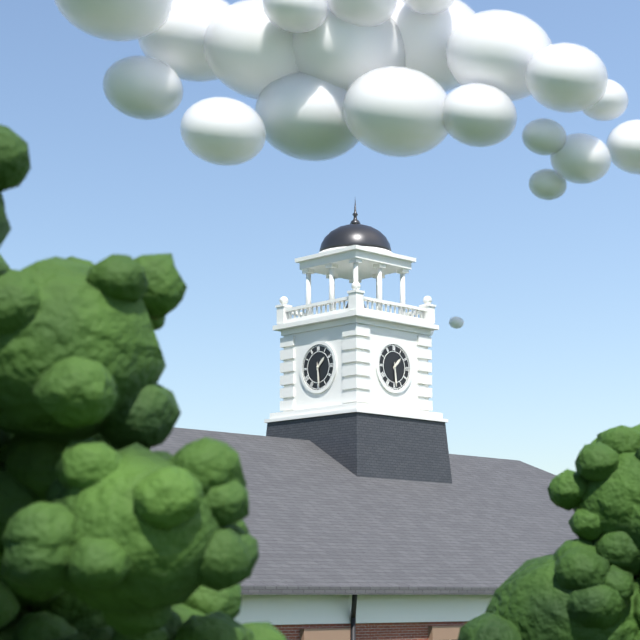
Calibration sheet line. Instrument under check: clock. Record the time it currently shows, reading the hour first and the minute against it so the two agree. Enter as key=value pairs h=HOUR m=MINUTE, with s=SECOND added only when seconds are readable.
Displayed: h=1 m=29
